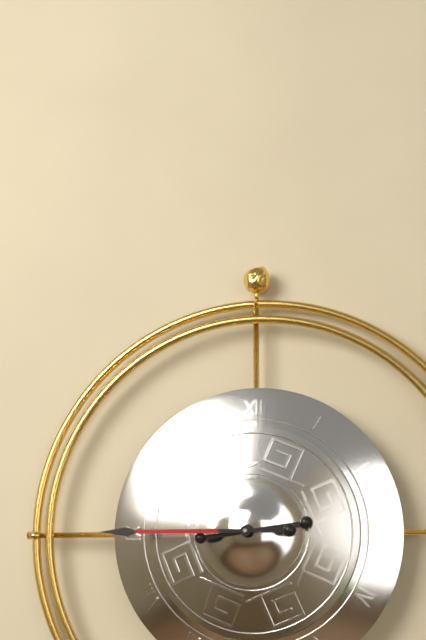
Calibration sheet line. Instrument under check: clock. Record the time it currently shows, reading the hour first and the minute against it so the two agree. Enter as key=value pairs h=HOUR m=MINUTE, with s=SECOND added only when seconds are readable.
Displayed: h=2 m=45
